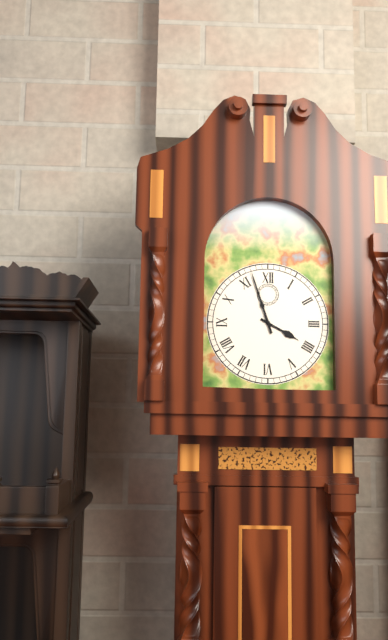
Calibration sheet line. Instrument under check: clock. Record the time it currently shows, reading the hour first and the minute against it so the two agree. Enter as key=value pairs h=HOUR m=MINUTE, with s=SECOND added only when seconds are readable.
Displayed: h=3 m=57
